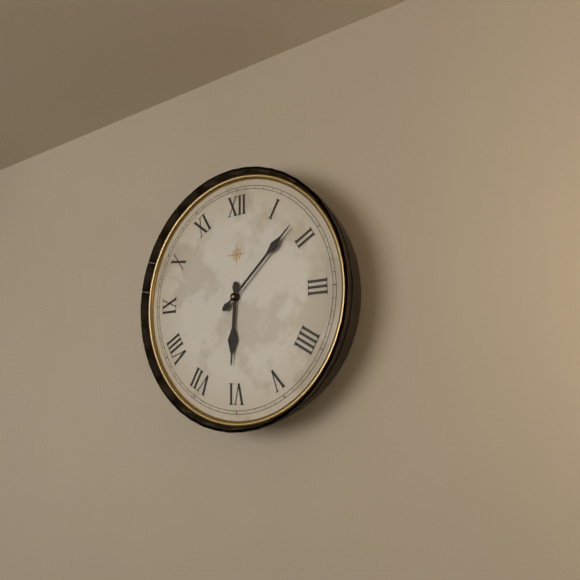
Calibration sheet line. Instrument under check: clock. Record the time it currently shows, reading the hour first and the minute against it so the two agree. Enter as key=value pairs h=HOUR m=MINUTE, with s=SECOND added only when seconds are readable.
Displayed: h=6 m=8
